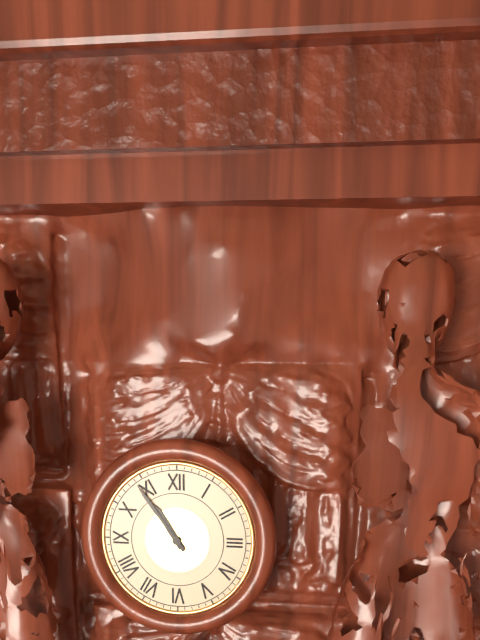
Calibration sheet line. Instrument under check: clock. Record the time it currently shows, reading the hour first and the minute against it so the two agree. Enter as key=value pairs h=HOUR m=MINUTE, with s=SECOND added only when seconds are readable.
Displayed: h=10 m=54
